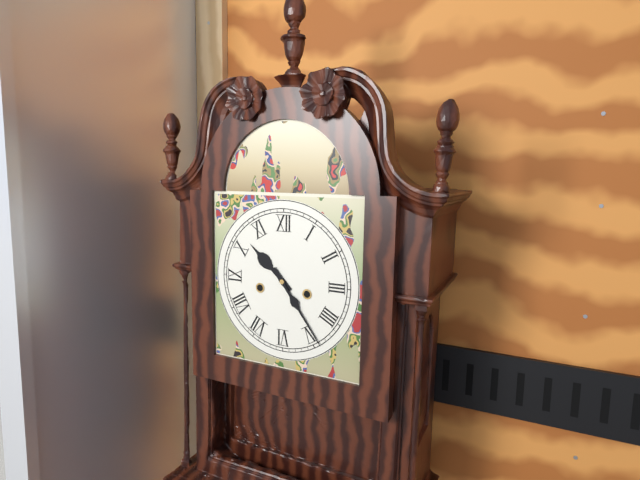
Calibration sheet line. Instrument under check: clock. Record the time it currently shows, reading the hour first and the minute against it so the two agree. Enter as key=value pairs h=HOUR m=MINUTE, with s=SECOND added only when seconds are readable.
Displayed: h=10 m=24
